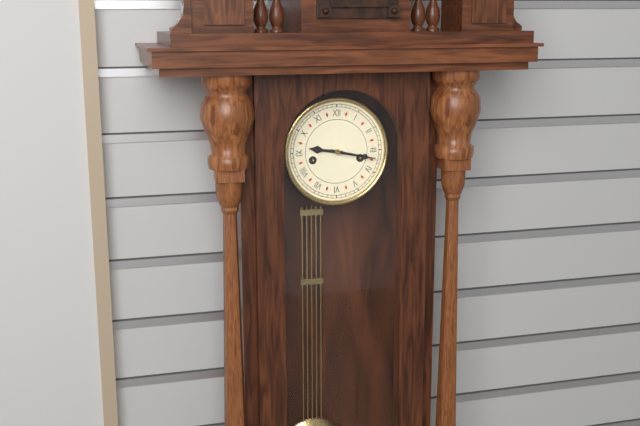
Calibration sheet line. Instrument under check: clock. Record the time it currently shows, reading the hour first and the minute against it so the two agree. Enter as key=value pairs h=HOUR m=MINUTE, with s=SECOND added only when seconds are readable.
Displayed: h=9 m=17
